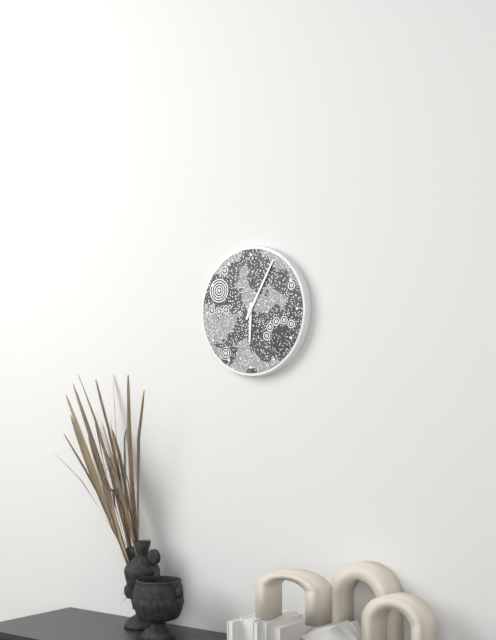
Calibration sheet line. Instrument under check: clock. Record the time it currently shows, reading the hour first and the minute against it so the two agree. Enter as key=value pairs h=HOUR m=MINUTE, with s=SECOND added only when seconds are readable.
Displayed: h=6 m=5
